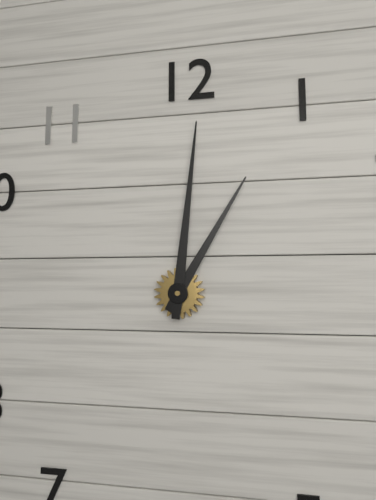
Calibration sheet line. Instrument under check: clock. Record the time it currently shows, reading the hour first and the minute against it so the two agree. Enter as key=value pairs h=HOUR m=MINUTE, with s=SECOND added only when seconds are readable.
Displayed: h=1 m=1
